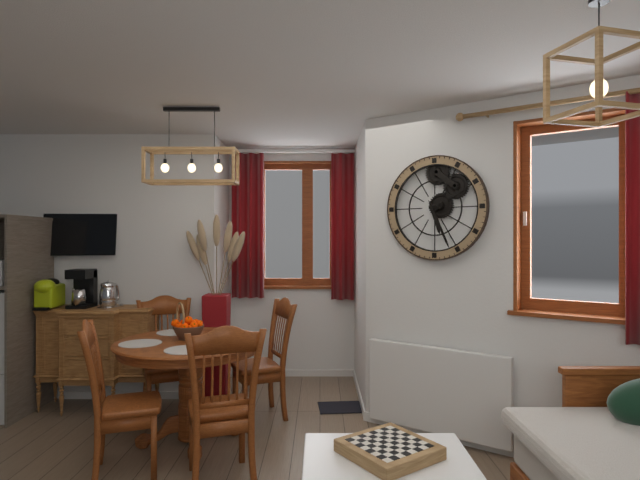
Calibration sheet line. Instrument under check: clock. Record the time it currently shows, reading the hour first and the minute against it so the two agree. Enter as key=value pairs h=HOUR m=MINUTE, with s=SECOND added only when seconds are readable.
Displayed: h=5 m=26
